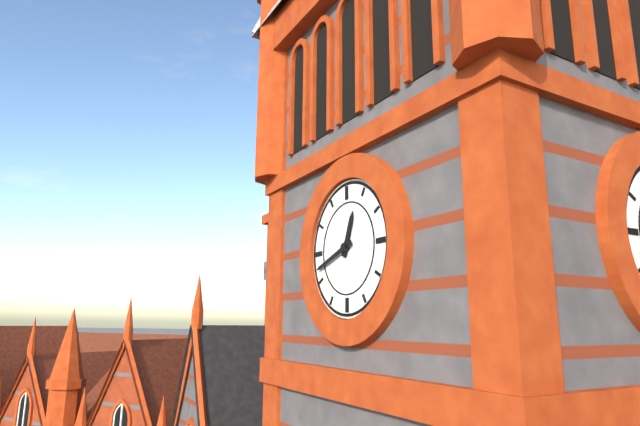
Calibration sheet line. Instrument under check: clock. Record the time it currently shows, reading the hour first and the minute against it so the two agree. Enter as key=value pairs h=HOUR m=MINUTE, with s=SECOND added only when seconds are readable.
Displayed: h=12 m=42
